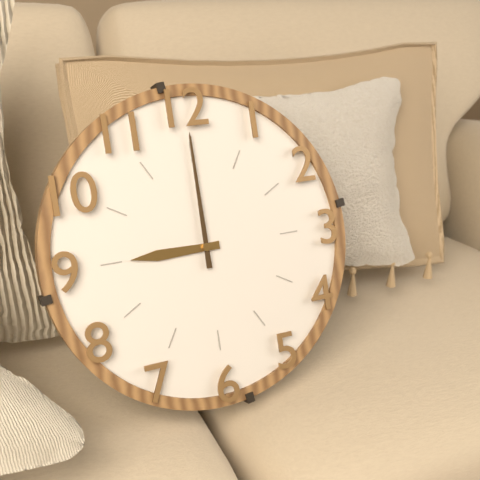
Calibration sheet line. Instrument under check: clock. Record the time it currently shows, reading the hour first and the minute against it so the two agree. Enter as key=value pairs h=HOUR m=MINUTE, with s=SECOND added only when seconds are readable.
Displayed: h=9 m=0
